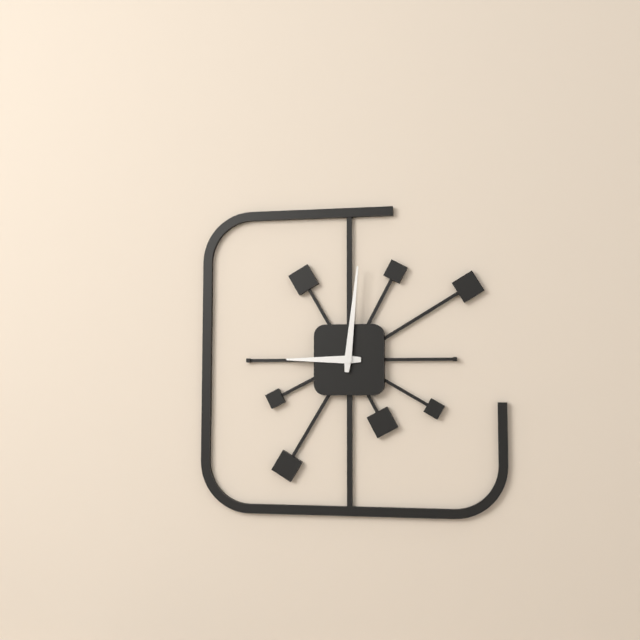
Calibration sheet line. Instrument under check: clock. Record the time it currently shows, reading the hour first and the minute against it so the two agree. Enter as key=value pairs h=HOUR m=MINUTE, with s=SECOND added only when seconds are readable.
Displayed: h=9 m=1
